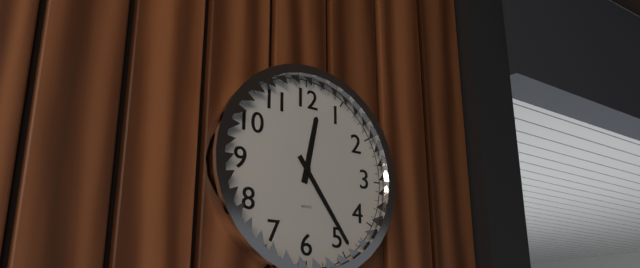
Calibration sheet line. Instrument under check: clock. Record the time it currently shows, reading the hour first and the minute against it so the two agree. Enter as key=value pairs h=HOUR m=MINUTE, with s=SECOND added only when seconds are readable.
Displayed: h=12 m=24
